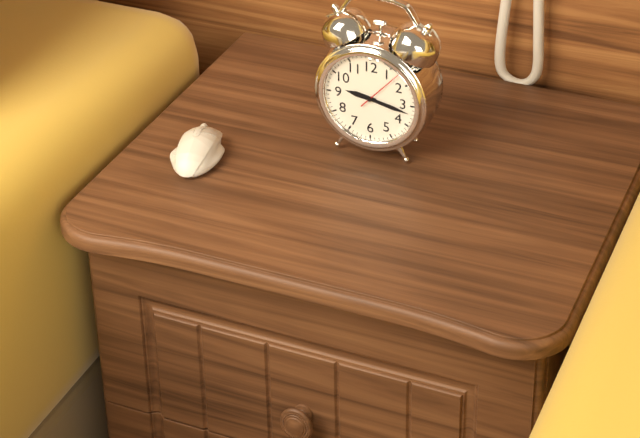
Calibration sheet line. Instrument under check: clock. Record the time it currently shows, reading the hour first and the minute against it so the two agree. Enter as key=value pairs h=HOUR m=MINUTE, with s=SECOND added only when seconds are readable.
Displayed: h=9 m=17
